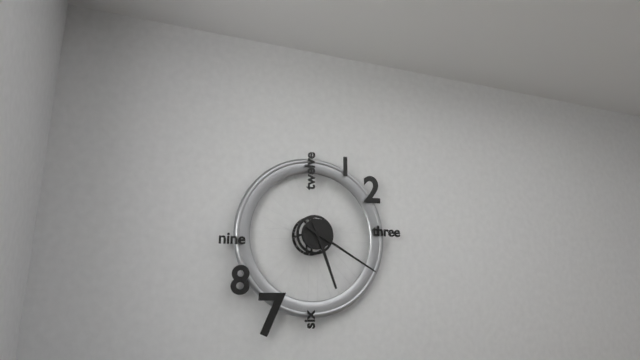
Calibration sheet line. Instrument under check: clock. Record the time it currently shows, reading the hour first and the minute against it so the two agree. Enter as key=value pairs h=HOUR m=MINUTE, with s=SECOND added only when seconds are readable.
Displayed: h=5 m=20
